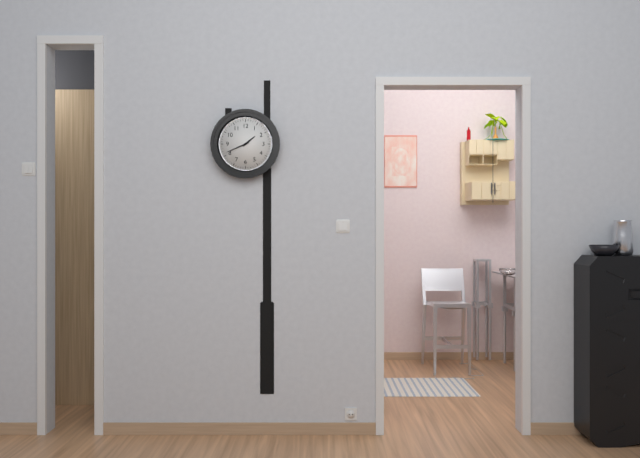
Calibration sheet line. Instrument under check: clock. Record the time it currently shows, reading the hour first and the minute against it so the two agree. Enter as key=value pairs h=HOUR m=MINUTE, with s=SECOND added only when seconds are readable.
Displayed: h=1 m=41
